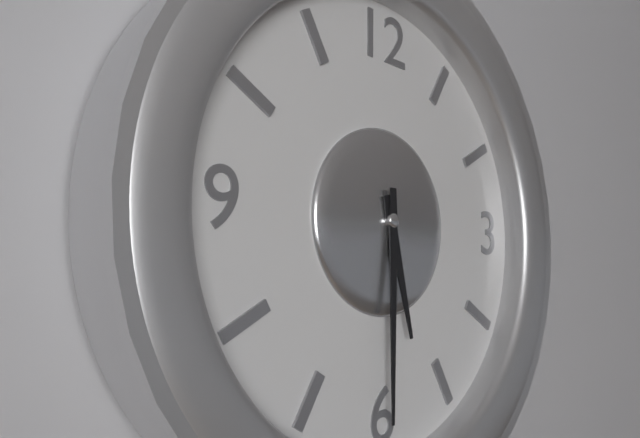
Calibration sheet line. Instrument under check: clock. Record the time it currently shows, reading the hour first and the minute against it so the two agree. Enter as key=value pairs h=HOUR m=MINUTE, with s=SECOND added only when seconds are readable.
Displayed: h=5 m=30
